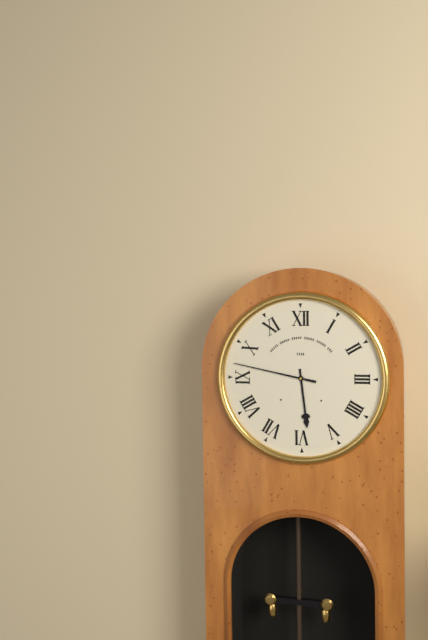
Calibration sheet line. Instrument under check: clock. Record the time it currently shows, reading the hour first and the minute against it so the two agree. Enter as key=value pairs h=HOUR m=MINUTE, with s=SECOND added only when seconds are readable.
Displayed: h=5 m=47
